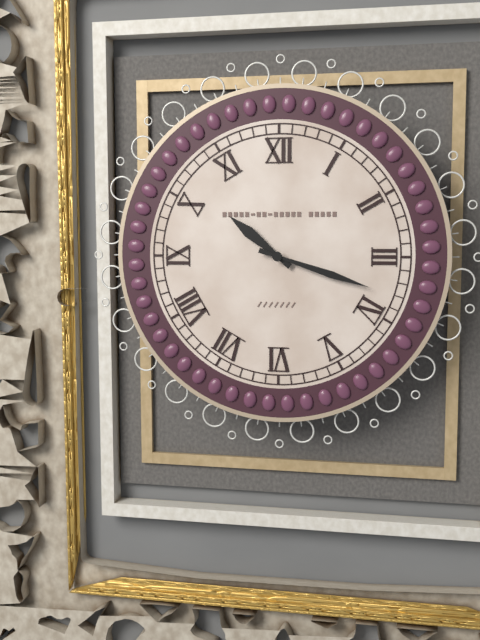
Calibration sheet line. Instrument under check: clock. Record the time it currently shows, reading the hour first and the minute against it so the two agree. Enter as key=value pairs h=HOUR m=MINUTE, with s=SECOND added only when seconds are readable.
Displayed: h=10 m=18
